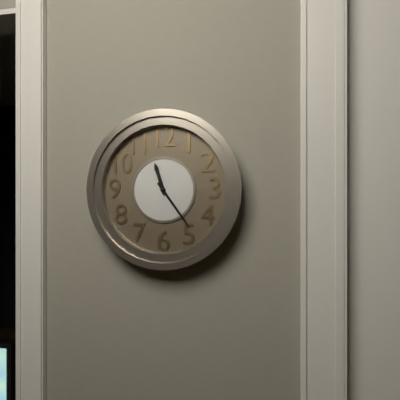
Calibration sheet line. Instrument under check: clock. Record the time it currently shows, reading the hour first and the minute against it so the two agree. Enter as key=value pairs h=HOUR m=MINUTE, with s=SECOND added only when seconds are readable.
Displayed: h=11 m=24
